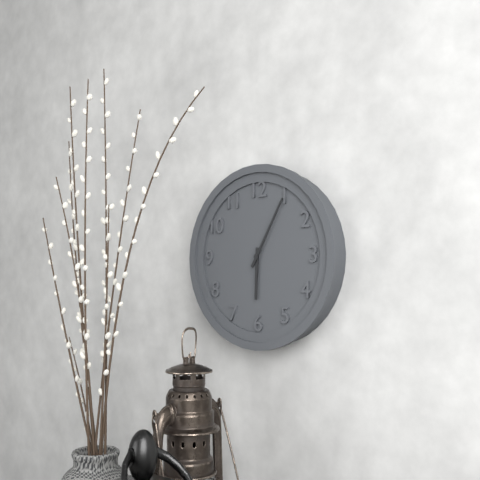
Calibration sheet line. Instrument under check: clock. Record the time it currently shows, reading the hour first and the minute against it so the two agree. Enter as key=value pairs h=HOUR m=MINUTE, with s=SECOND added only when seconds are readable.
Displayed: h=6 m=5
